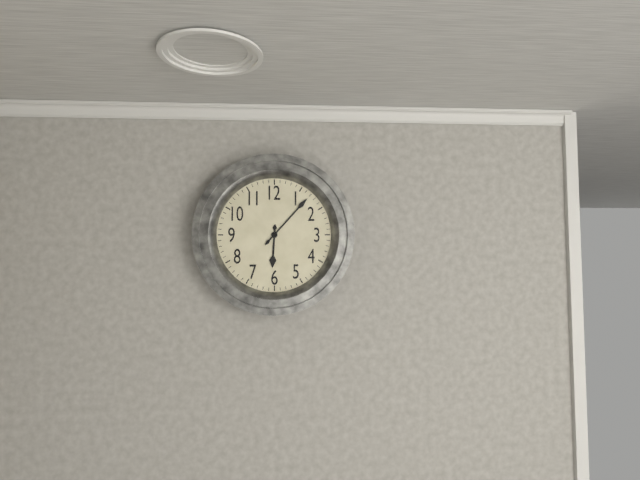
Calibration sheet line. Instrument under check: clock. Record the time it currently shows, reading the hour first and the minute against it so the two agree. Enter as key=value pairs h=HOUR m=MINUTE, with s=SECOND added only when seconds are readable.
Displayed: h=6 m=7
